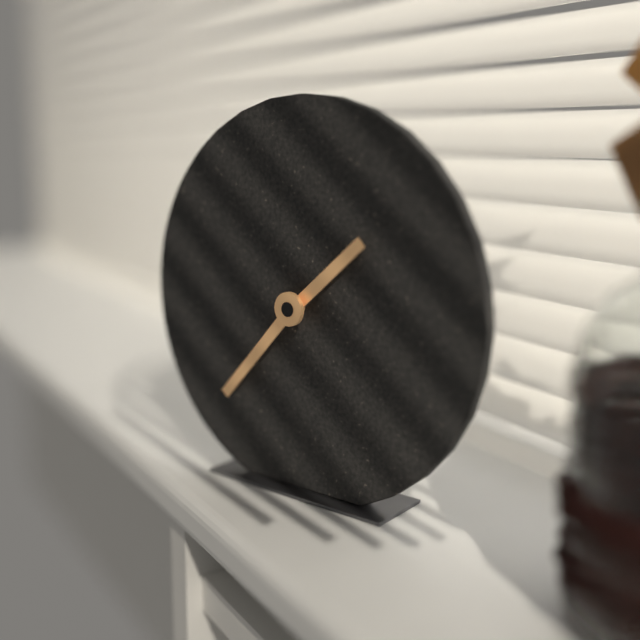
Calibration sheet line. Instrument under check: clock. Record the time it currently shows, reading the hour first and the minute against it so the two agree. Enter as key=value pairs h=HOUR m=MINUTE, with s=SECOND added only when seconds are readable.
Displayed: h=1 m=37
